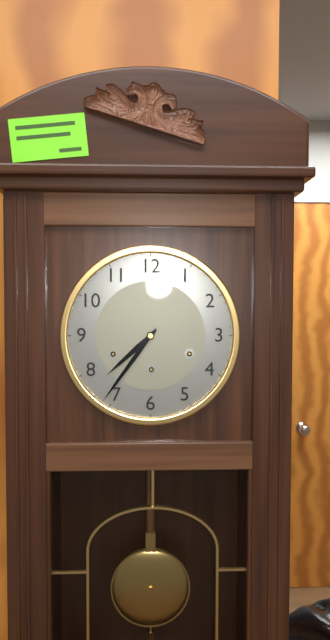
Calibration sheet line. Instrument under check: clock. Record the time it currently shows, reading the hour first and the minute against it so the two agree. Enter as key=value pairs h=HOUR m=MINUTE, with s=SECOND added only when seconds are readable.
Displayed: h=7 m=36
